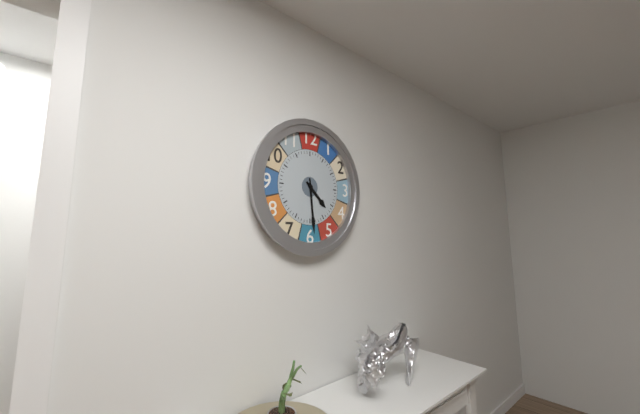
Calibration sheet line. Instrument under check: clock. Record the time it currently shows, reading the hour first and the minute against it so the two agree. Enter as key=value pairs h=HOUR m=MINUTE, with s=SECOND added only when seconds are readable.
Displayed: h=4 m=29
